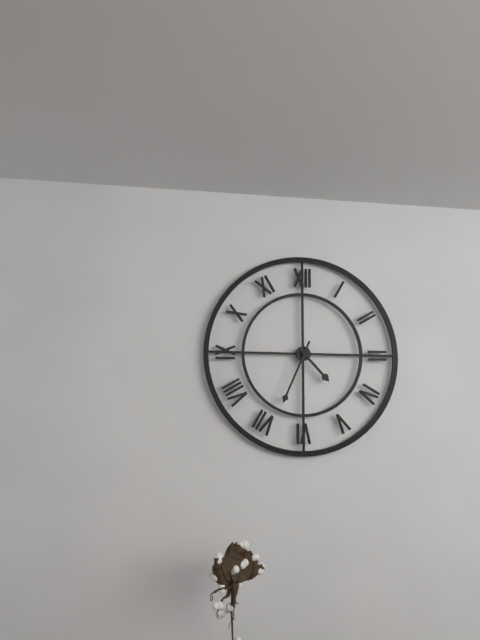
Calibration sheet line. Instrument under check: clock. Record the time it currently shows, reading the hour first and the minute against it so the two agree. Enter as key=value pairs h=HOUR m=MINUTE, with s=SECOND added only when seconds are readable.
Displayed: h=4 m=34
